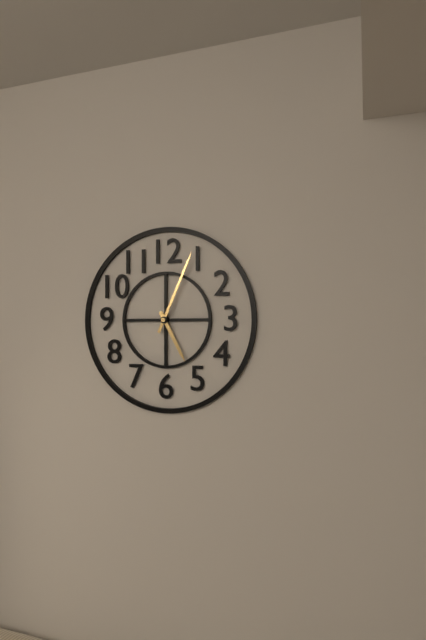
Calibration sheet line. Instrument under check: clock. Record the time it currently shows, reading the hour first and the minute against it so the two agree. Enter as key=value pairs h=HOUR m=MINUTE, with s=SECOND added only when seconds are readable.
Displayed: h=5 m=4
